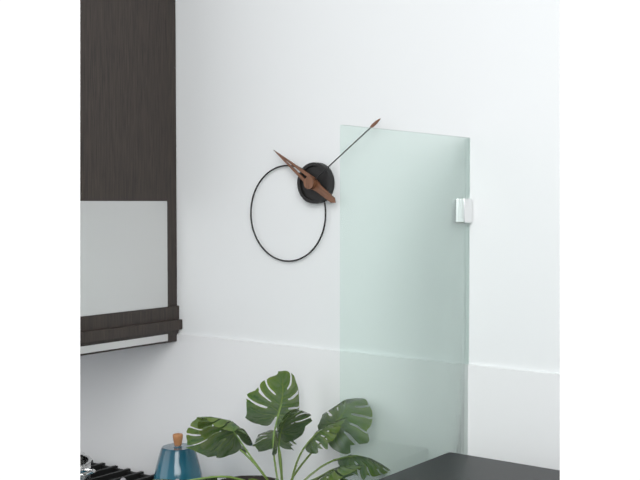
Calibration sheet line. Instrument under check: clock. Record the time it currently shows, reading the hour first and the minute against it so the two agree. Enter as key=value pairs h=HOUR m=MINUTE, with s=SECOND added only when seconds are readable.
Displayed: h=10 m=9
